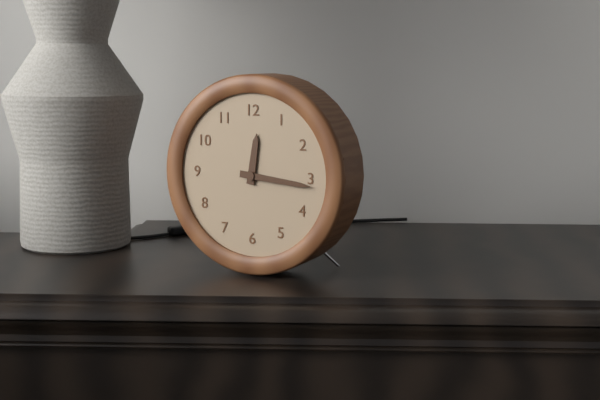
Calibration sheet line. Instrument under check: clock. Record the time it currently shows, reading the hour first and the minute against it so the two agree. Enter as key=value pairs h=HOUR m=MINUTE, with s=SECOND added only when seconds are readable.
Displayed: h=12 m=16
